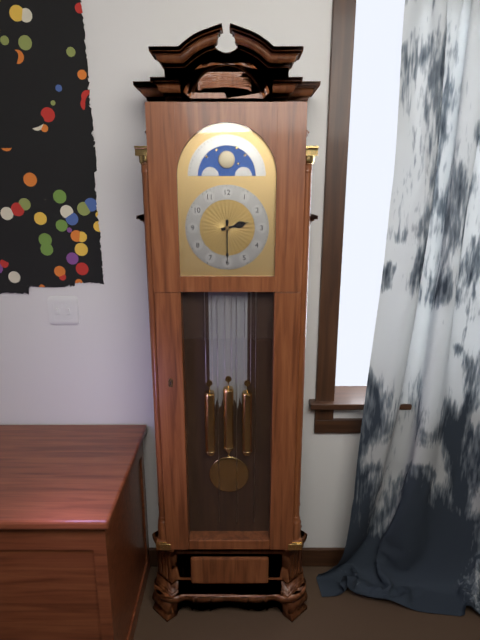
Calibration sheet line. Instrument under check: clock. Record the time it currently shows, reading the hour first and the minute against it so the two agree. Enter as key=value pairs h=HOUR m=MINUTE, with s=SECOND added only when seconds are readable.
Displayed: h=2 m=30
